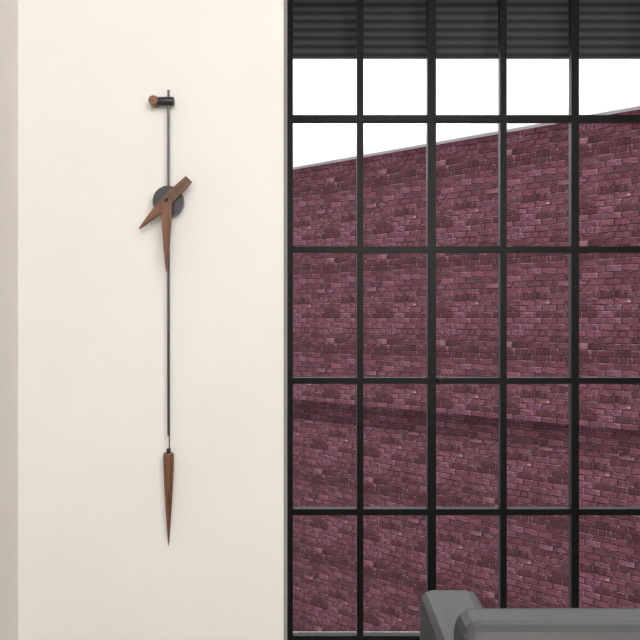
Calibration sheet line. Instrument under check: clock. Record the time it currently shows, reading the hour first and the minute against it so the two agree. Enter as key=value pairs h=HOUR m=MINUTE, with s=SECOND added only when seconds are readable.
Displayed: h=7 m=30
